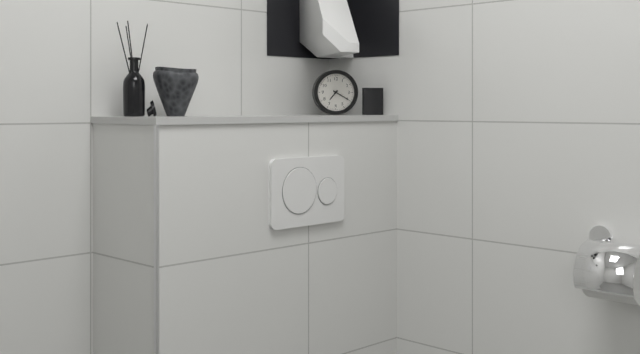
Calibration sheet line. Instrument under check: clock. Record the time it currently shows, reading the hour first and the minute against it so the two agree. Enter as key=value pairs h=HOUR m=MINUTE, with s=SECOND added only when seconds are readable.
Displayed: h=7 m=20
